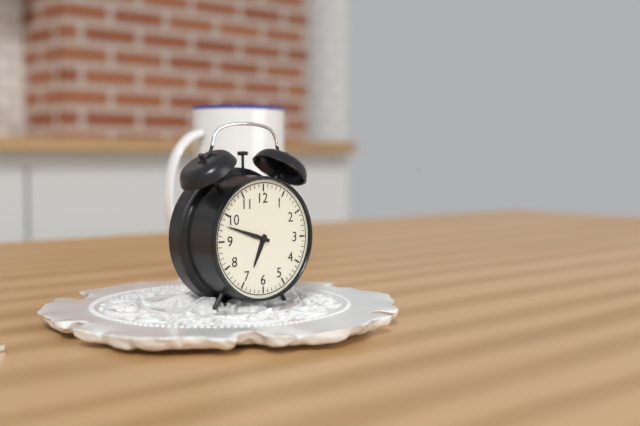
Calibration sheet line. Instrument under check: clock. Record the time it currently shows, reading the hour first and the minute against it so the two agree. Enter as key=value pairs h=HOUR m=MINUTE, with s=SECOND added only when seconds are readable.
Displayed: h=6 m=48
